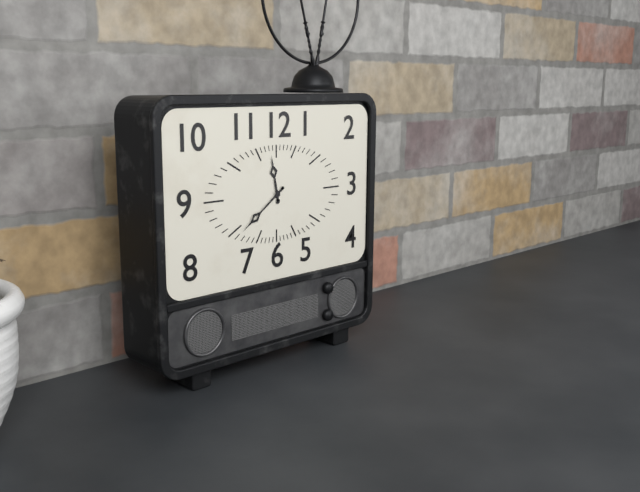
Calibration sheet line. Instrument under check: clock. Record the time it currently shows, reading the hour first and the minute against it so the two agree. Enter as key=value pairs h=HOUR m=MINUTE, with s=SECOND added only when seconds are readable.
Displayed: h=11 m=39
